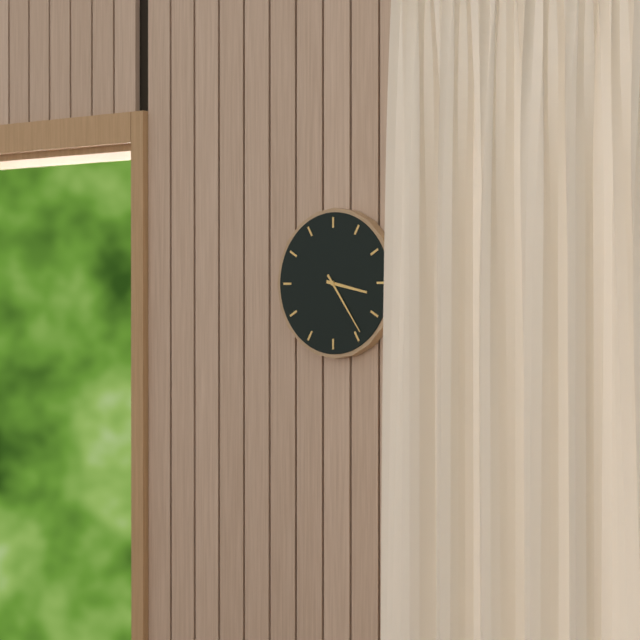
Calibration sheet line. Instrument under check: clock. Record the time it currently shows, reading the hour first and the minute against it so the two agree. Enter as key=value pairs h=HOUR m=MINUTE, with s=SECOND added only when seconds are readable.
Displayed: h=3 m=24
